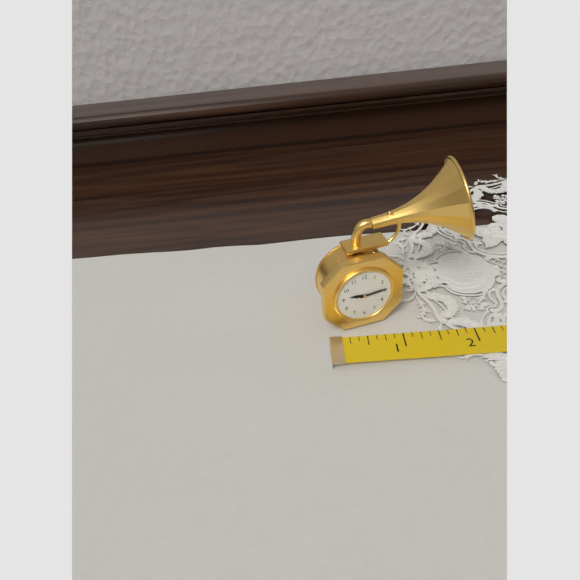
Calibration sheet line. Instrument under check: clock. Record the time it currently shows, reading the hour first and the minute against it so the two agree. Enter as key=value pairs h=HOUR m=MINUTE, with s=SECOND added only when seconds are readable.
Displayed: h=9 m=14
